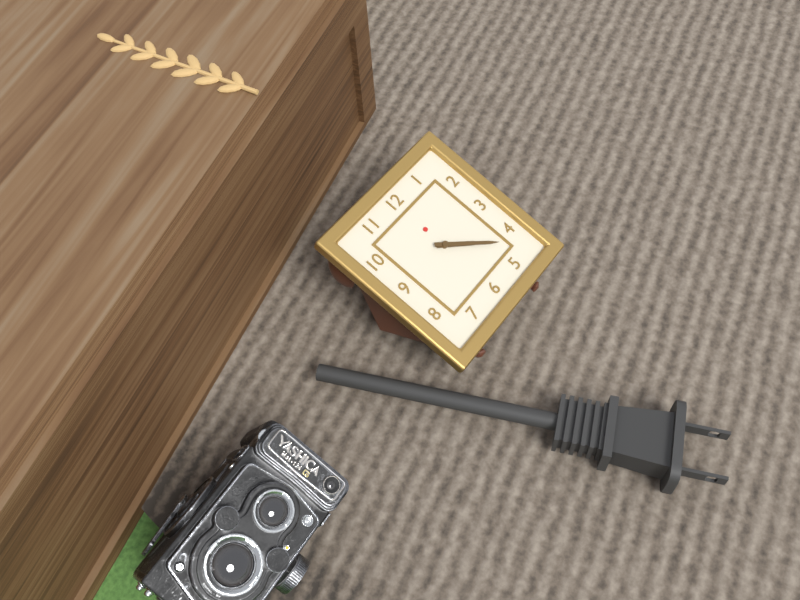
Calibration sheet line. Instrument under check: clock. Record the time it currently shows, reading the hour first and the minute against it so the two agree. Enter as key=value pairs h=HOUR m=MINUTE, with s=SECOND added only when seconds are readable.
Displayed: h=4 m=22
